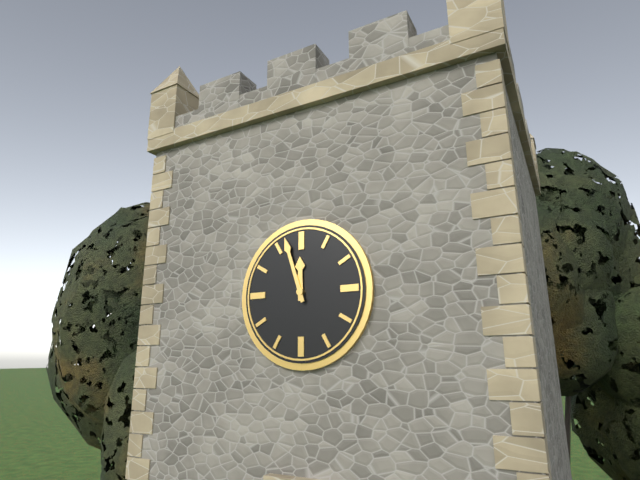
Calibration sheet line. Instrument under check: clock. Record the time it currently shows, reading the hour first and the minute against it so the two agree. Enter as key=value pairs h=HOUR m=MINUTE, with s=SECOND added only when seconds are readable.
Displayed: h=11 m=57
